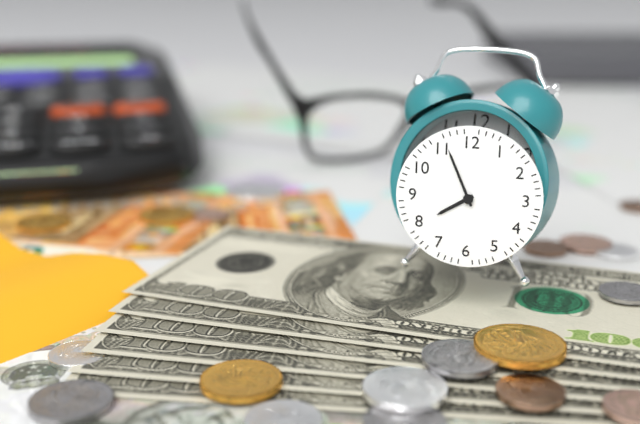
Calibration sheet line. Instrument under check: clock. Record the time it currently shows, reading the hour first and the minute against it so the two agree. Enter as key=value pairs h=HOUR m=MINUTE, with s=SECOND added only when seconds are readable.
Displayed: h=7 m=56
